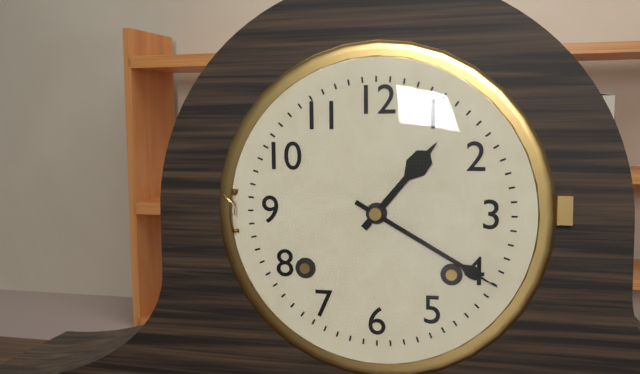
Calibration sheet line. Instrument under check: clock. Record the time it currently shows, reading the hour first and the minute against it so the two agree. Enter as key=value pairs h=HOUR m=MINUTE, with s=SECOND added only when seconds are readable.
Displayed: h=1 m=20
